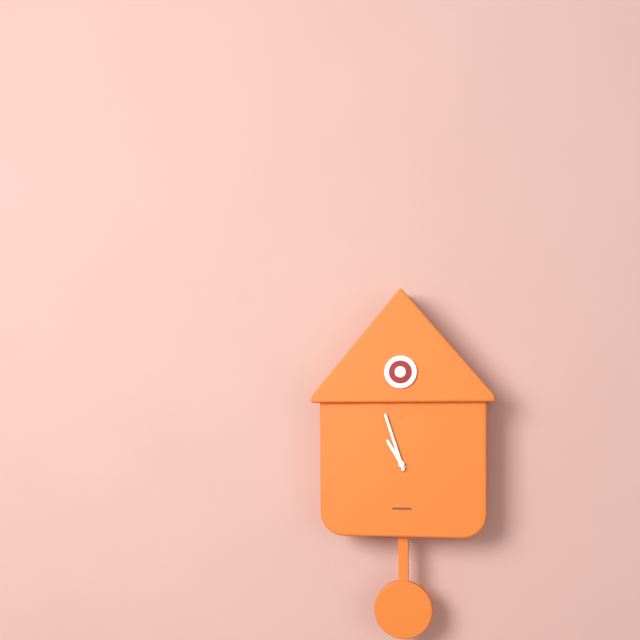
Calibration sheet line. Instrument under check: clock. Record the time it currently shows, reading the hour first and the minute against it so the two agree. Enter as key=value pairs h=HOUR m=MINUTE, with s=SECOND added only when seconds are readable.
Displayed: h=10 m=57
